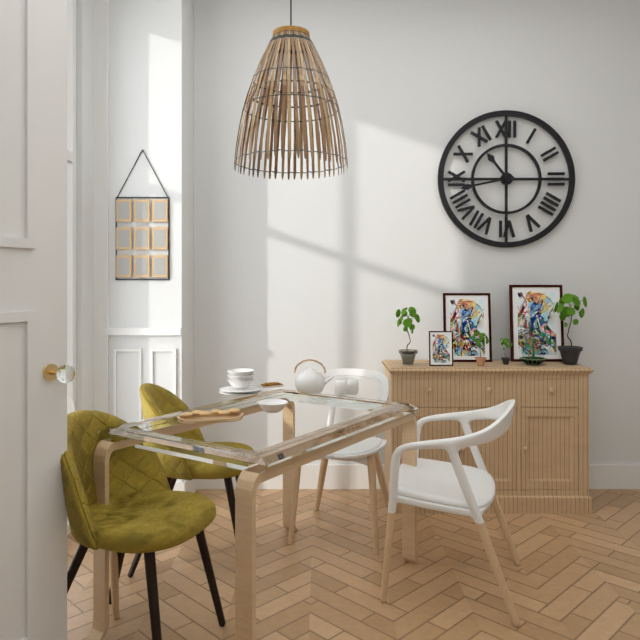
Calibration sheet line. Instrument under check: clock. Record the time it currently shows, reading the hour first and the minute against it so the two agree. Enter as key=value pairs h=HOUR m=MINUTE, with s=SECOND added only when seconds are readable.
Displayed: h=10 m=43
